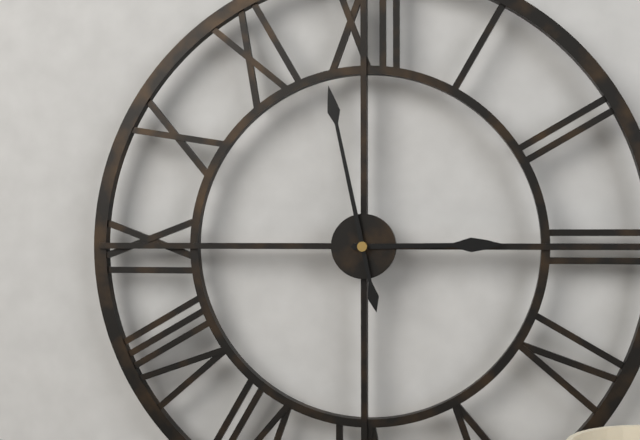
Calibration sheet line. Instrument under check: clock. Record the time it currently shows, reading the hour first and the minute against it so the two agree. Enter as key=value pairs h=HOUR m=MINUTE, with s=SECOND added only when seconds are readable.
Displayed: h=2 m=58
